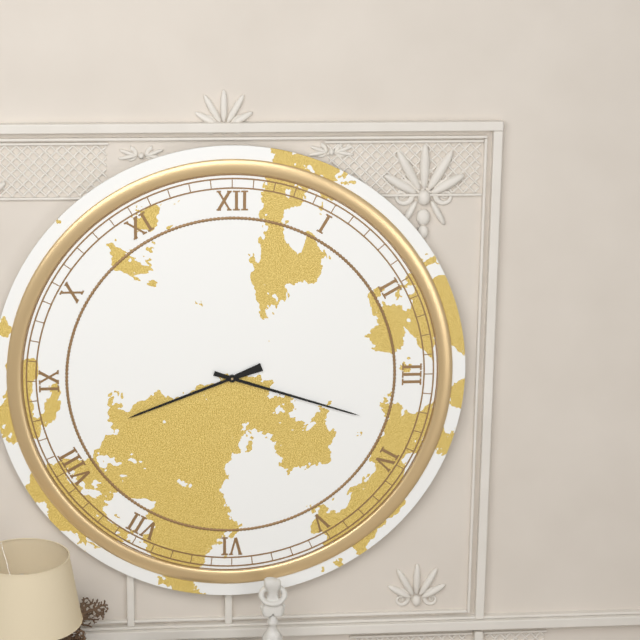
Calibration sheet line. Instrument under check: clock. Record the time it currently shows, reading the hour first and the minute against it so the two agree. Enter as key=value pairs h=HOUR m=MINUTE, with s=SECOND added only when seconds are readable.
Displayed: h=8 m=18
